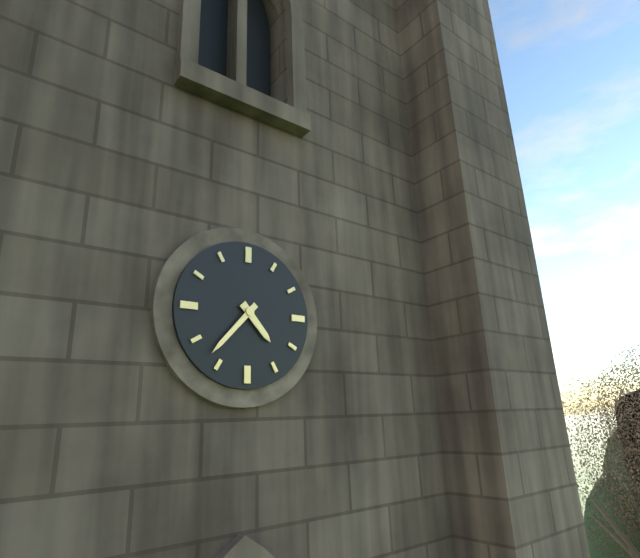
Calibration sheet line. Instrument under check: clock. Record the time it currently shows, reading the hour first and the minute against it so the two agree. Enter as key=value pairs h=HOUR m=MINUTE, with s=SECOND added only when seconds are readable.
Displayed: h=4 m=37
